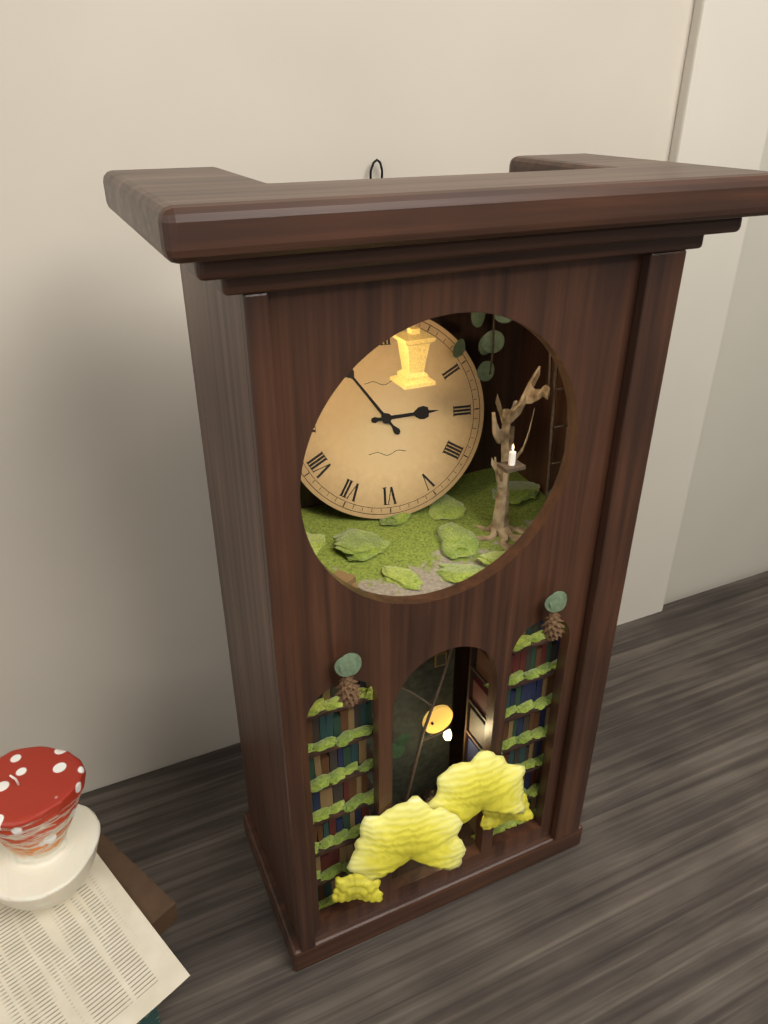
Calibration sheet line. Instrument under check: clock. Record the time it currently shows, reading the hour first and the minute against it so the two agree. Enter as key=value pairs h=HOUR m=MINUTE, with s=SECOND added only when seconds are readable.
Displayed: h=2 m=54
